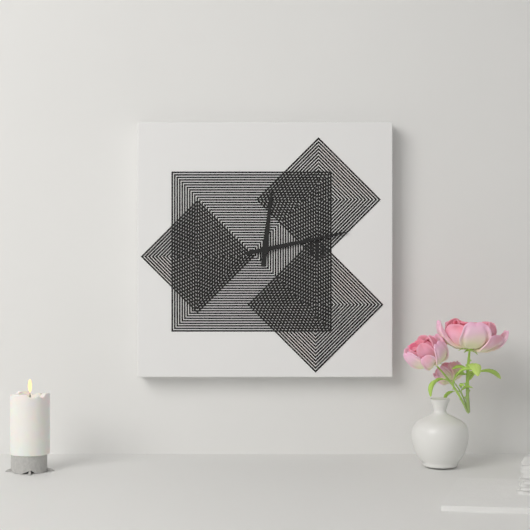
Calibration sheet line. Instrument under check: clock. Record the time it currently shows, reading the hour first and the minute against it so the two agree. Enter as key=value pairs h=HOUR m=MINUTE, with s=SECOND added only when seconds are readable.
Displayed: h=12 m=13
